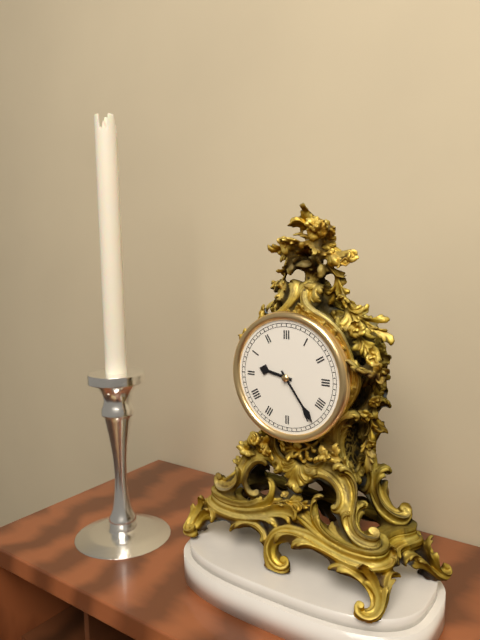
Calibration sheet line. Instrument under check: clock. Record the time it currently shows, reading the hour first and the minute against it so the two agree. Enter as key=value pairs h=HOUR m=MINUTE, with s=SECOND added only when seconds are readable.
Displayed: h=9 m=24
